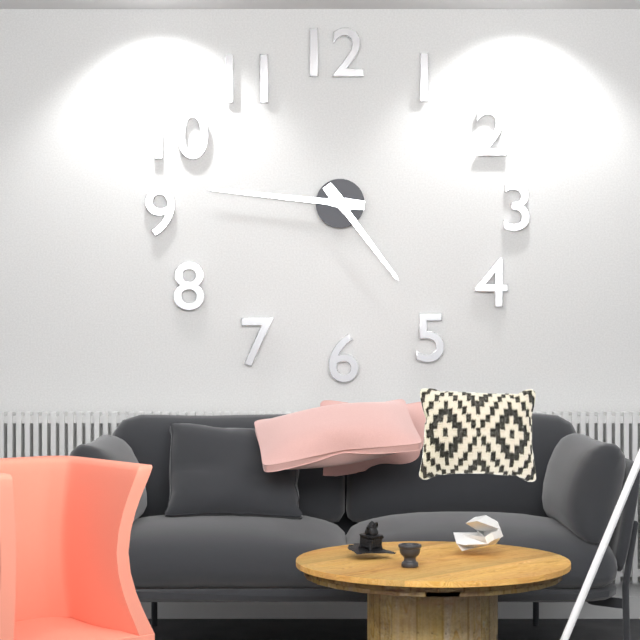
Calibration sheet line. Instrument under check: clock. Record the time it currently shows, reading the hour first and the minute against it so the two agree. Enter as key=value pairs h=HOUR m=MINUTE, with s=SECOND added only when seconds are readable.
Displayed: h=4 m=46
